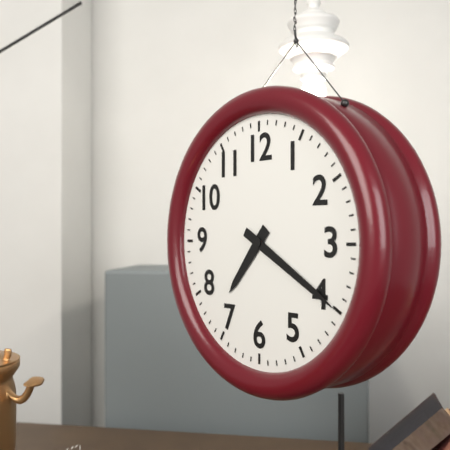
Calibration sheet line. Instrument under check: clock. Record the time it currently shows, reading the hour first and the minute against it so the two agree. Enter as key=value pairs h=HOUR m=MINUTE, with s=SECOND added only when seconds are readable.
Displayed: h=7 m=20
